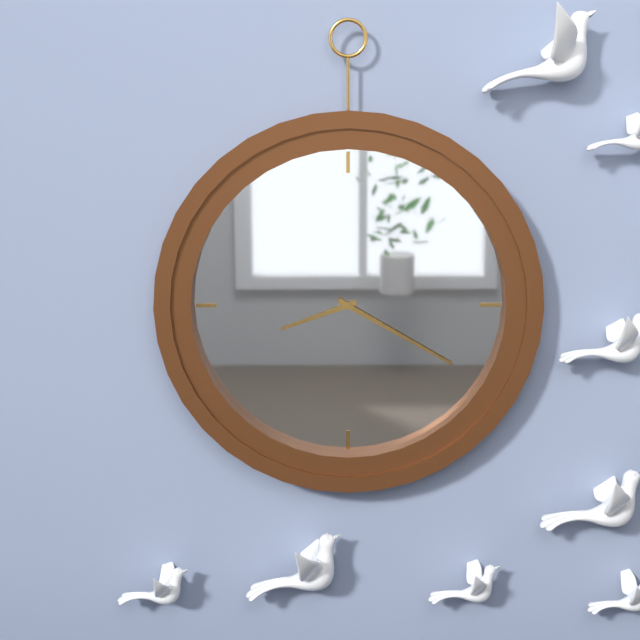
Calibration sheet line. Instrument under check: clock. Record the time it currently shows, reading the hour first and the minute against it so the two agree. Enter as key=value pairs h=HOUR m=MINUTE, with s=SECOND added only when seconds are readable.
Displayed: h=8 m=20
